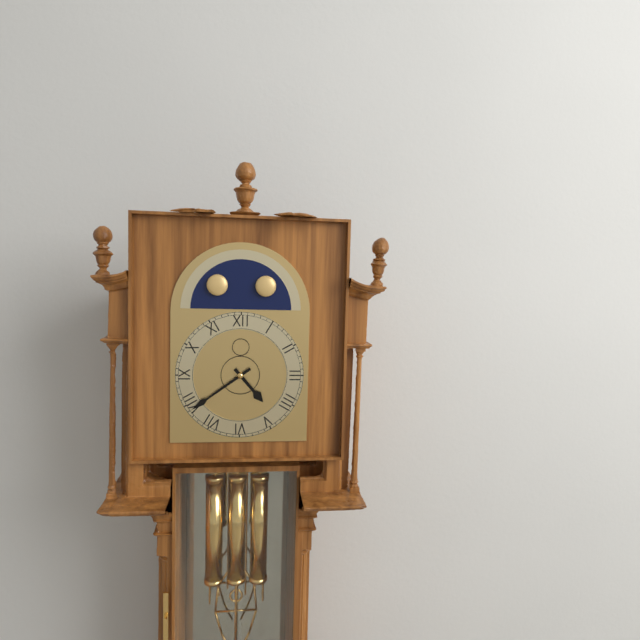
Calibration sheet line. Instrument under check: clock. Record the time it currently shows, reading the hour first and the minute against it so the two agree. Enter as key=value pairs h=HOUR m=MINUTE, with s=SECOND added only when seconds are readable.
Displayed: h=4 m=39
